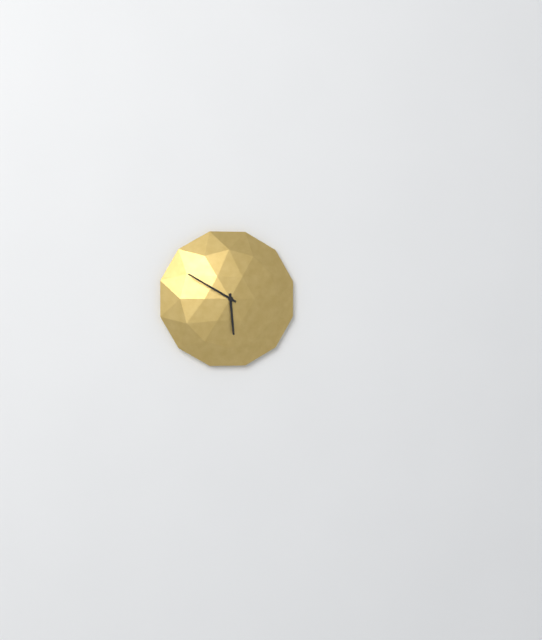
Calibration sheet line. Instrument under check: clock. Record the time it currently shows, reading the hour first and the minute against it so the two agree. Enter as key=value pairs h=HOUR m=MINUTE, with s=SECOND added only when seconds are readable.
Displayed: h=5 m=50
